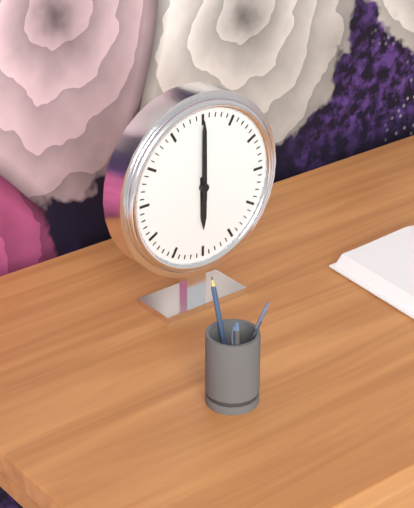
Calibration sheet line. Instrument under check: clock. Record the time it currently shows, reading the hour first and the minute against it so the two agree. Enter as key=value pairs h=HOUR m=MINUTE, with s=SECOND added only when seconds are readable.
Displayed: h=6 m=0
